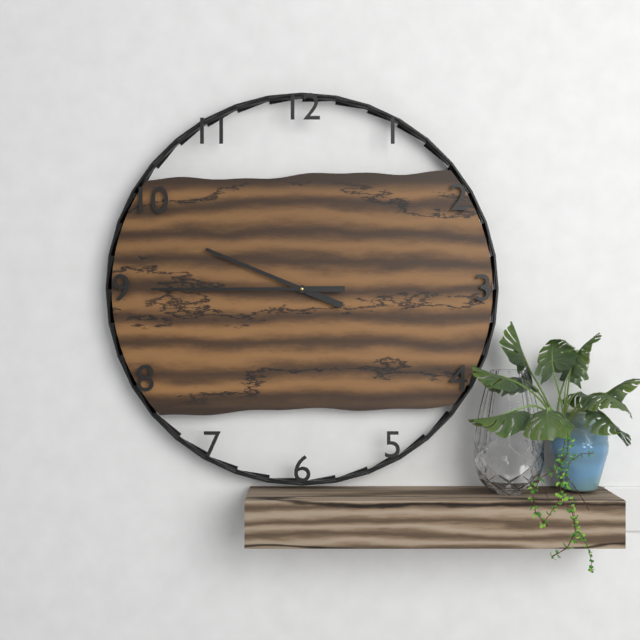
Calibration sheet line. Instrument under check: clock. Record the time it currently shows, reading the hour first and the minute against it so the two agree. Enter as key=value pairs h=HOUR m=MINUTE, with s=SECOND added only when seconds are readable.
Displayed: h=9 m=45
